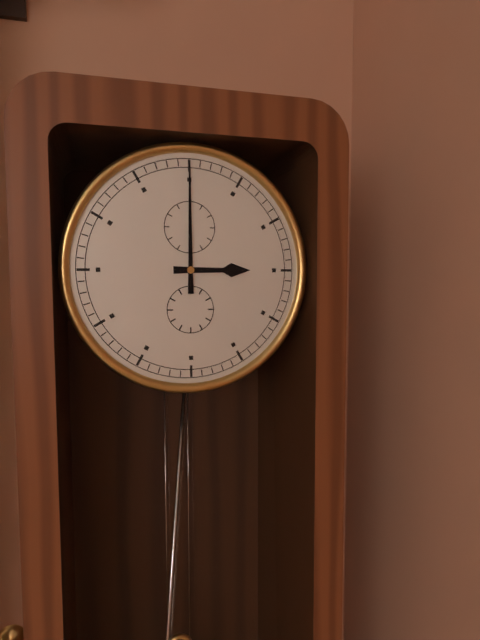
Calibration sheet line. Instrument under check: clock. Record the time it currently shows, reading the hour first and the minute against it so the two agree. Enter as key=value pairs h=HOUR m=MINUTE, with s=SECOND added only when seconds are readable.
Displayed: h=3 m=0
